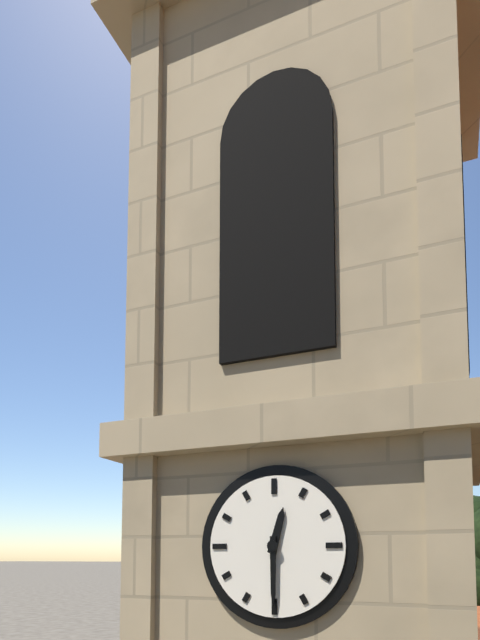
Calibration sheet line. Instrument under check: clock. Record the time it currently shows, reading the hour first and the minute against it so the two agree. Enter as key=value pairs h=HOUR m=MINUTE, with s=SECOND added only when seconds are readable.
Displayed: h=12 m=30
